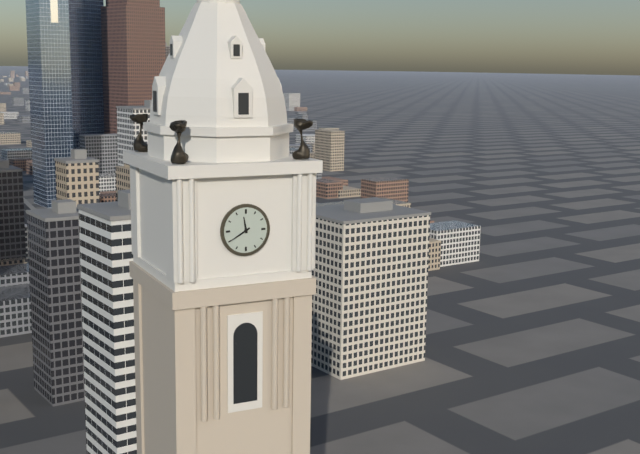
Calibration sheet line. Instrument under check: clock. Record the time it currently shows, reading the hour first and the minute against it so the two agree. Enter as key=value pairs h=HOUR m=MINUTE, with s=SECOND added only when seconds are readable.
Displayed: h=11 m=40
